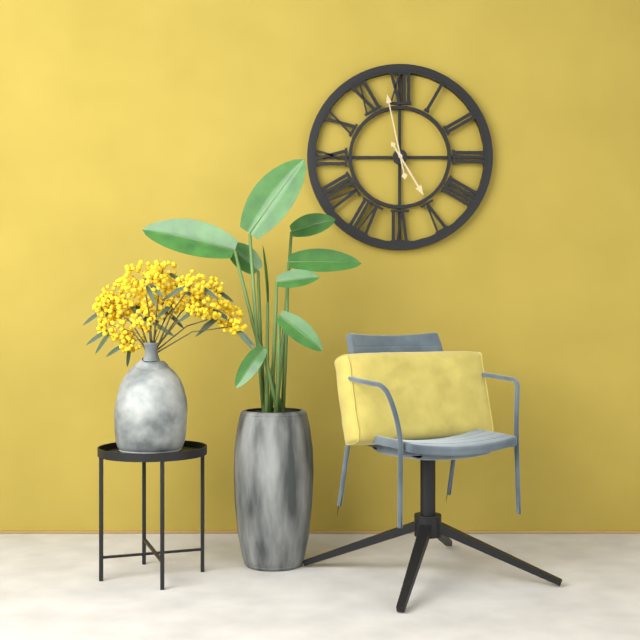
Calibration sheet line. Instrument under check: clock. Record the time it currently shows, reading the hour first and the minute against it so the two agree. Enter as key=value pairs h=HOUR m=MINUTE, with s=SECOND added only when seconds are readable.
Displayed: h=4 m=58
